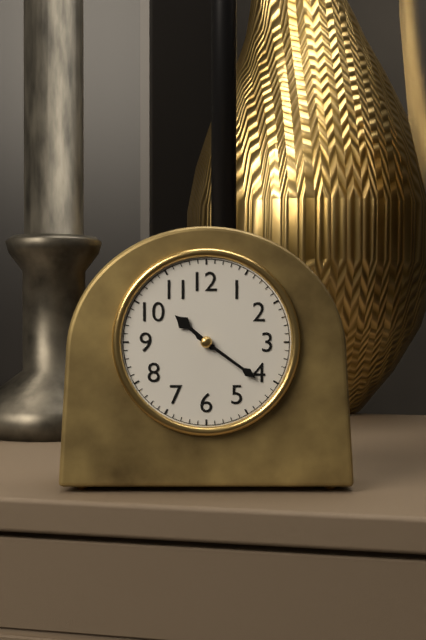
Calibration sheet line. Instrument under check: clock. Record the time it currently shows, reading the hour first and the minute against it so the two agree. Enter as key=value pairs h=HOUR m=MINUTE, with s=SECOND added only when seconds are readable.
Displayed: h=10 m=21
